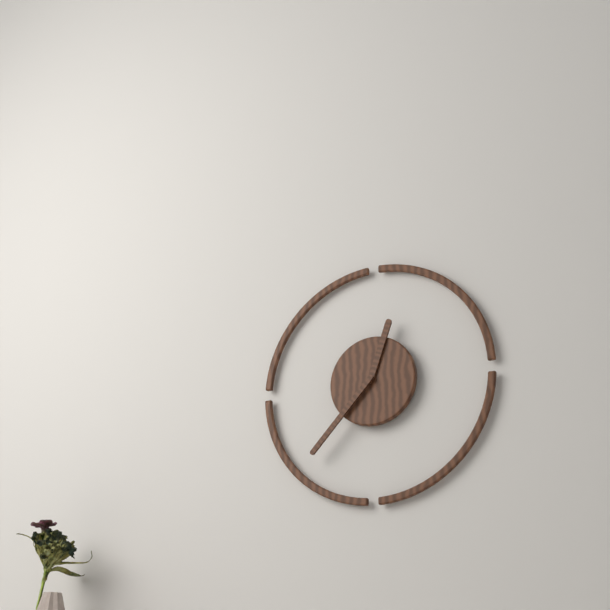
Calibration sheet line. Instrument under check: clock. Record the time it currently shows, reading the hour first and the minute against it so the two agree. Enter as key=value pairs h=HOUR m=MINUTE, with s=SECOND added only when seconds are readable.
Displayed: h=12 m=37
